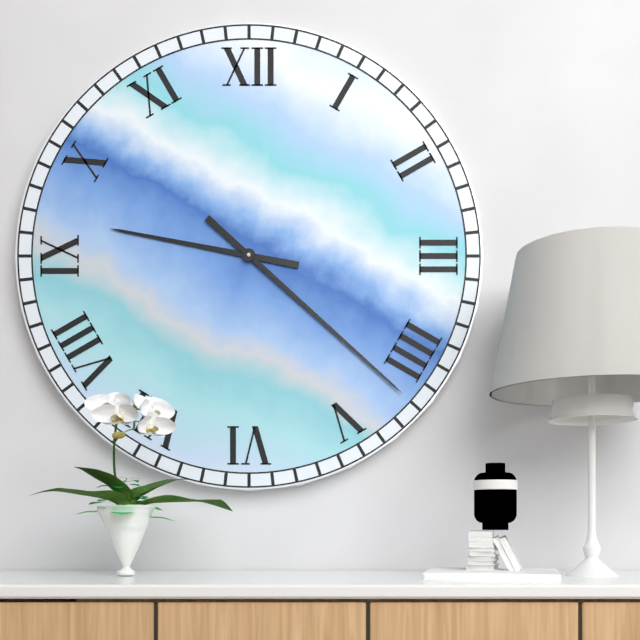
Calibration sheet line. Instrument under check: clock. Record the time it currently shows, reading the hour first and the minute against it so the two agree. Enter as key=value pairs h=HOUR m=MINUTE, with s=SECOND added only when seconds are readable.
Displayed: h=9 m=22
